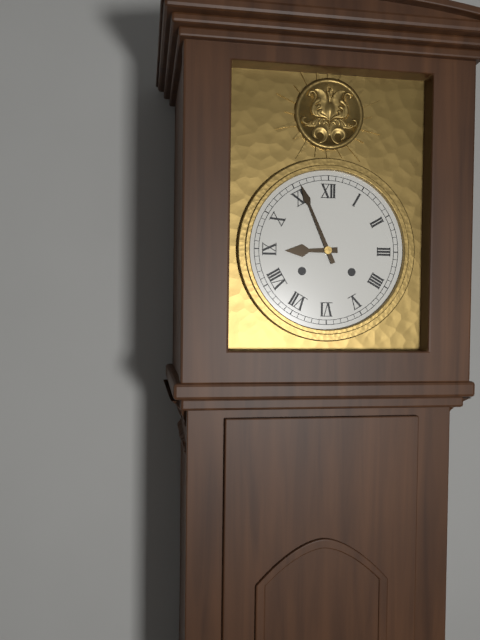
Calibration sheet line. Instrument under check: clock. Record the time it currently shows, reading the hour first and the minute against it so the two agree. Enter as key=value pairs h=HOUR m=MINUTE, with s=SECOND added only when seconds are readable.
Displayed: h=8 m=56
